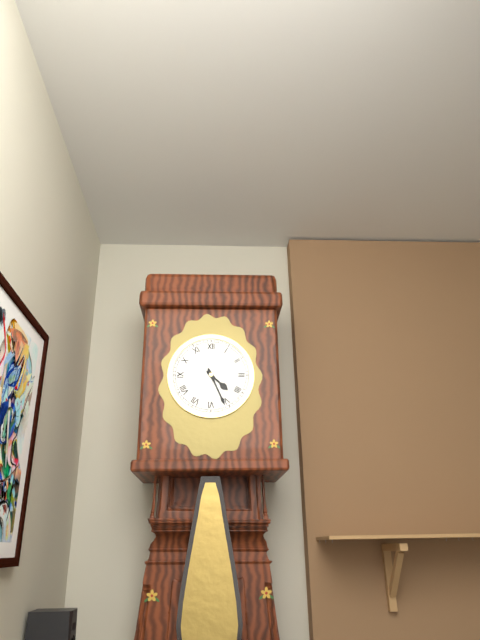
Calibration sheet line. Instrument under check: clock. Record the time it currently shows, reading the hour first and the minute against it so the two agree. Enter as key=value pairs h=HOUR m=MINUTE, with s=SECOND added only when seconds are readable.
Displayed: h=4 m=26
